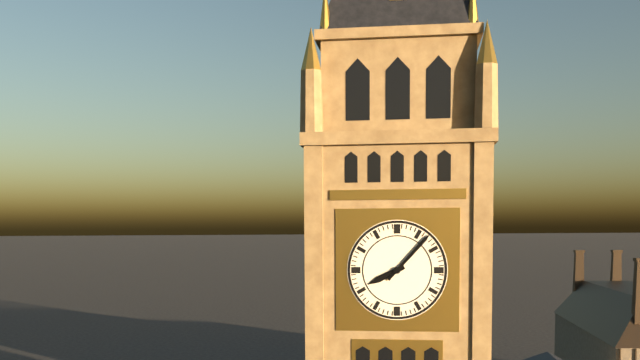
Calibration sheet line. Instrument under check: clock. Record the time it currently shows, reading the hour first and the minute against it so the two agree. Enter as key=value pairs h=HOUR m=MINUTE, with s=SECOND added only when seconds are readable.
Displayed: h=8 m=7
